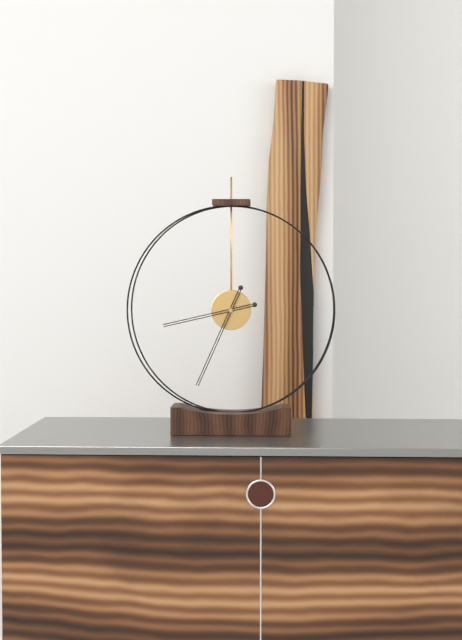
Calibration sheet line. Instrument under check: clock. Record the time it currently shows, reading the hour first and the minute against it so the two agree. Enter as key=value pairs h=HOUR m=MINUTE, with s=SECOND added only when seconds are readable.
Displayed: h=8 m=34
